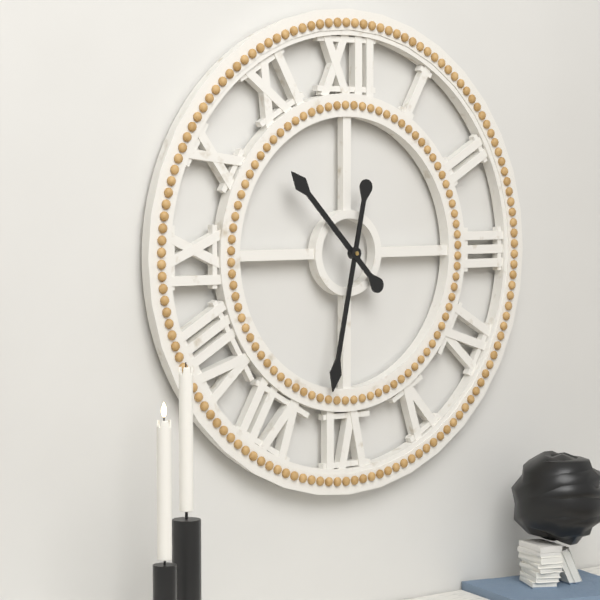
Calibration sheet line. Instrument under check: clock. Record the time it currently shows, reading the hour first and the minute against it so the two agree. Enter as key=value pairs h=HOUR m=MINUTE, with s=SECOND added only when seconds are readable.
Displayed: h=10 m=32
